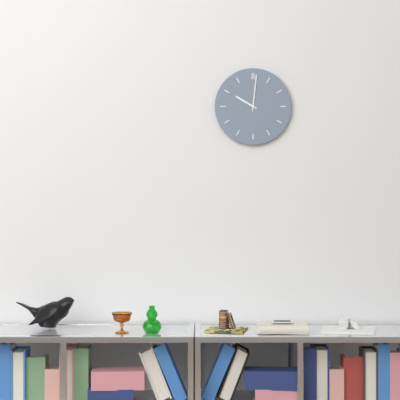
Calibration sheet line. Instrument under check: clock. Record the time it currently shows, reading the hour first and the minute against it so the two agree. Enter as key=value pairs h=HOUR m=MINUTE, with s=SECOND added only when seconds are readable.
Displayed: h=10 m=1
